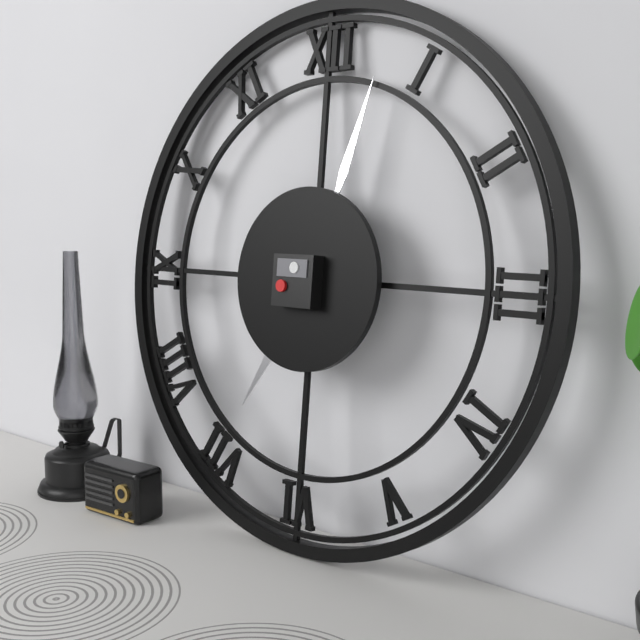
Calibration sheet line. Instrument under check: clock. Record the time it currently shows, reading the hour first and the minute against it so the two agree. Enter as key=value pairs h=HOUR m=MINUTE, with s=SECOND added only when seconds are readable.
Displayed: h=7 m=3
